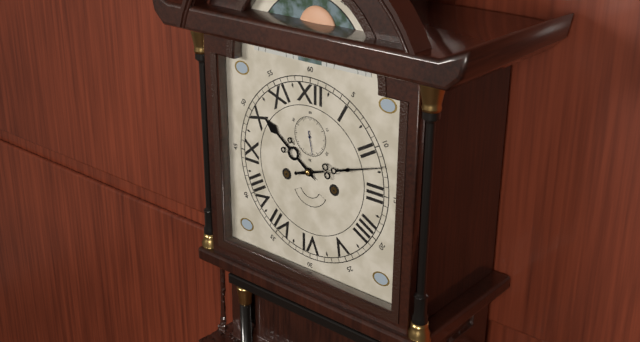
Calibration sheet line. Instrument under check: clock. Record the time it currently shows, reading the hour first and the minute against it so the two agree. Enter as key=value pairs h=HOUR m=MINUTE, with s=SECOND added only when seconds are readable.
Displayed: h=10 m=12
